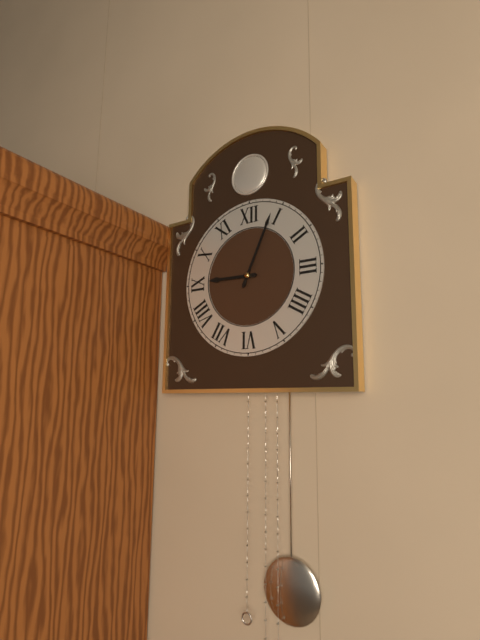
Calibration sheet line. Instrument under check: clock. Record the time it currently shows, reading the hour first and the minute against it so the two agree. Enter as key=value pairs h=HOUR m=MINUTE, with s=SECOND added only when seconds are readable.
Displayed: h=9 m=4
